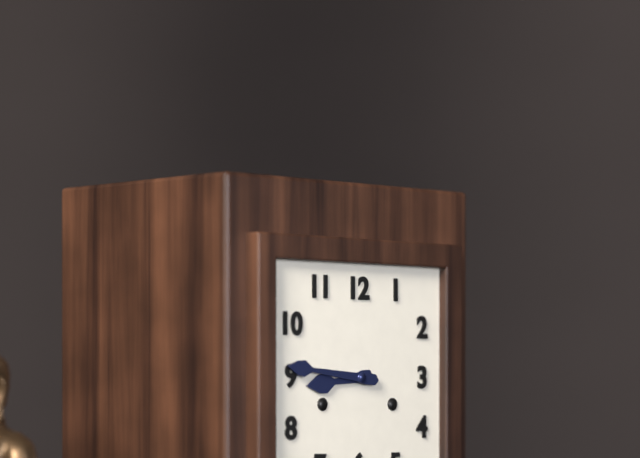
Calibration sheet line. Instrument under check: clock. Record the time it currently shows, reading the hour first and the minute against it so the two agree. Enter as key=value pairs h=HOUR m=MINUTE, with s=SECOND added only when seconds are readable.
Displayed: h=8 m=46
